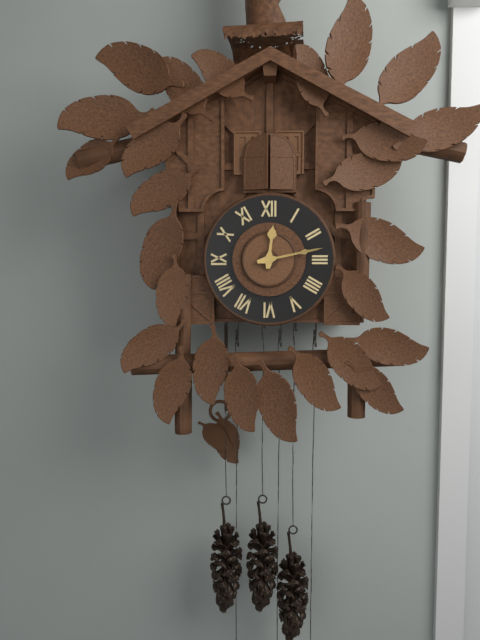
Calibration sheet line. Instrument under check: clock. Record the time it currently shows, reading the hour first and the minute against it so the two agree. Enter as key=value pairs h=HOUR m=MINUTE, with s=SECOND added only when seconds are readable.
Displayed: h=12 m=13
